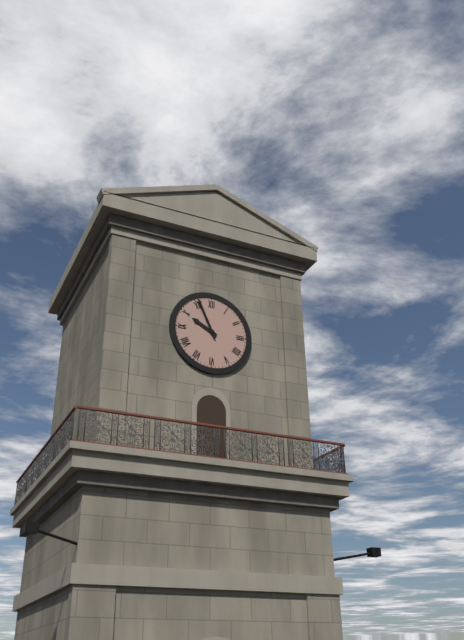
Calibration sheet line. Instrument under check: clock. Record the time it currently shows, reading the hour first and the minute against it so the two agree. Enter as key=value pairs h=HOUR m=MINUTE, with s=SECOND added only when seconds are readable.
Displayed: h=9 m=56
